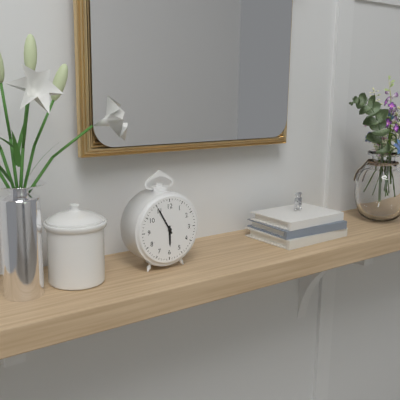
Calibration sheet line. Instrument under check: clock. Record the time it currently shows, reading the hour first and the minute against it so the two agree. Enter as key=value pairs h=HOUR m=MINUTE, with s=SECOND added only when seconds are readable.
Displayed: h=5 m=55
